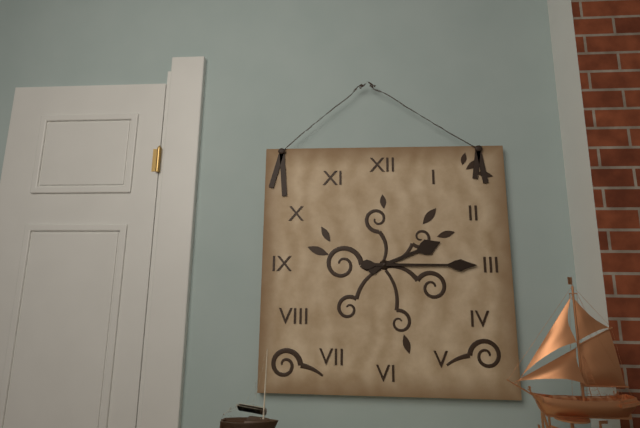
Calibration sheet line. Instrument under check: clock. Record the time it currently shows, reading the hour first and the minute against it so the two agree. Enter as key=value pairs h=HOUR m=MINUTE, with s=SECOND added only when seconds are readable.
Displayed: h=2 m=15
